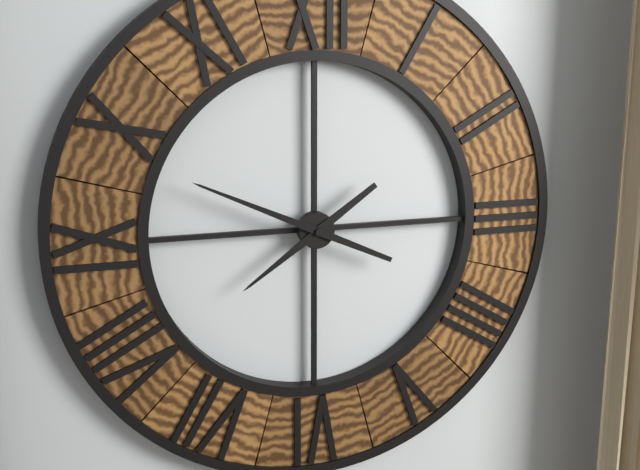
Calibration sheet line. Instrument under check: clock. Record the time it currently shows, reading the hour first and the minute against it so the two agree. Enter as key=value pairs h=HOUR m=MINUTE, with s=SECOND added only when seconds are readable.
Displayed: h=7 m=49
